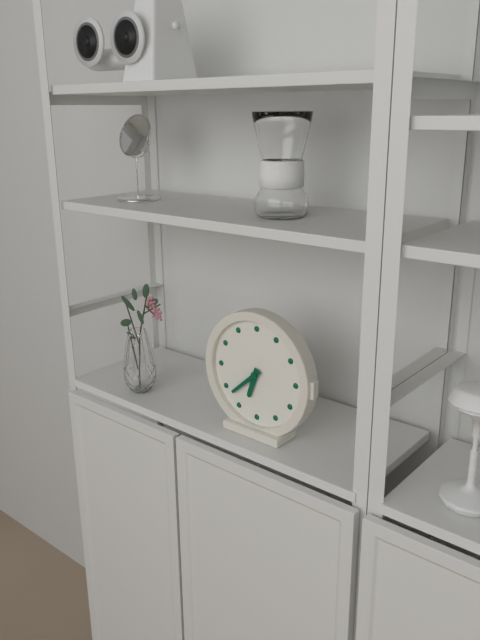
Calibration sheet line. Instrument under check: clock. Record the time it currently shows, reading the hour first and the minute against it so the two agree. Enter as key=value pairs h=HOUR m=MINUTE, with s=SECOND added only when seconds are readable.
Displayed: h=6 m=38
